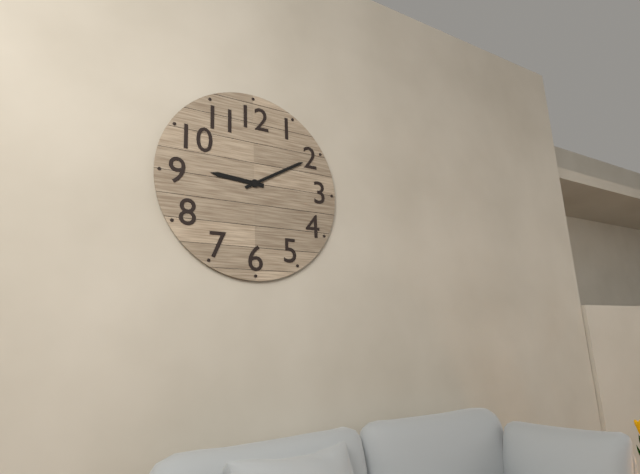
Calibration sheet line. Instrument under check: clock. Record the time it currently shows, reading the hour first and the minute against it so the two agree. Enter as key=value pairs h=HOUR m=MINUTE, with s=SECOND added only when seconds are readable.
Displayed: h=9 m=10
